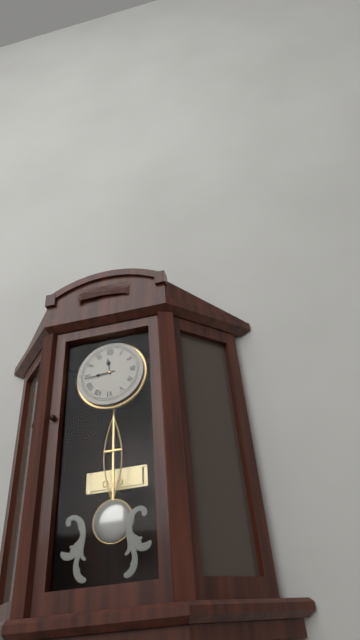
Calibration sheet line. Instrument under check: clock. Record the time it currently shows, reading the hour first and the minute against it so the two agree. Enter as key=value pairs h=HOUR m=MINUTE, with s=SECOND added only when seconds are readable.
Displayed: h=11 m=44
